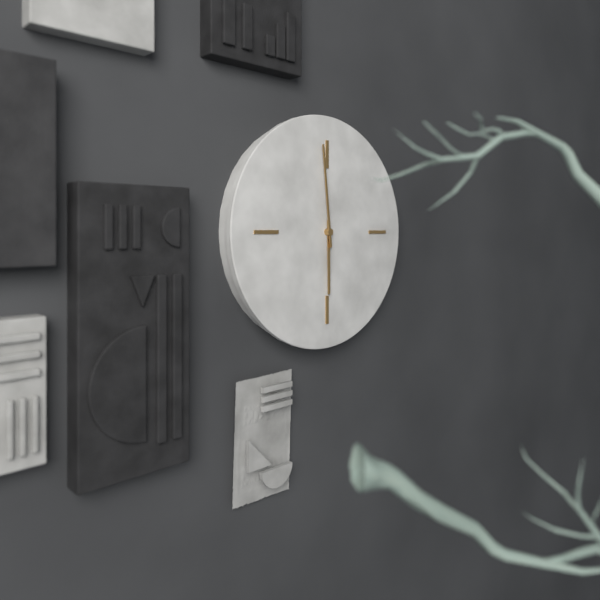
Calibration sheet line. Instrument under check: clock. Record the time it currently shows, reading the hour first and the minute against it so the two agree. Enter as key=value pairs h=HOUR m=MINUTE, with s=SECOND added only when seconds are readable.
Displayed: h=5 m=59
